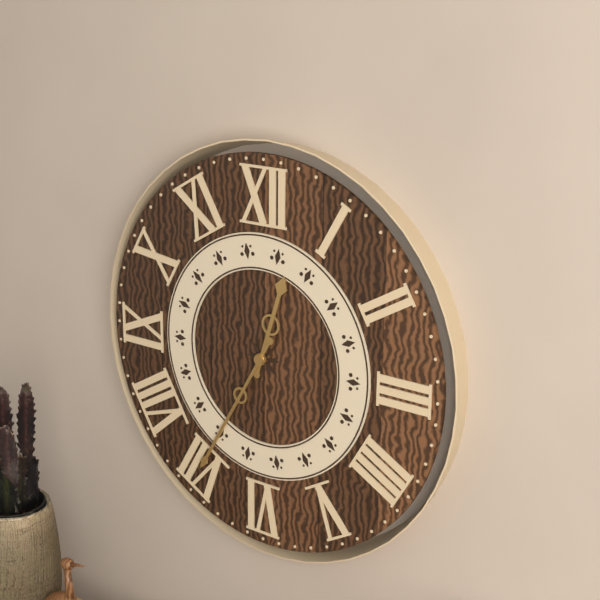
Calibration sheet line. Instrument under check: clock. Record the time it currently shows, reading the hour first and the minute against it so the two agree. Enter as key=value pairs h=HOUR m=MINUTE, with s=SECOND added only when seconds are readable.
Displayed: h=12 m=35
